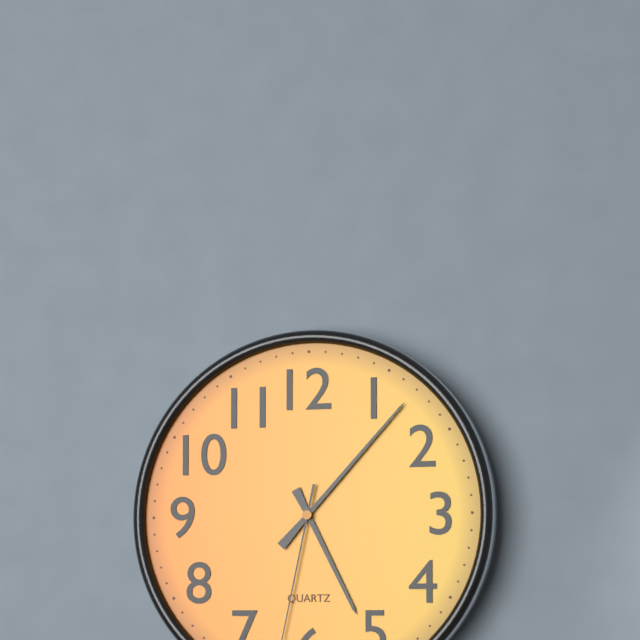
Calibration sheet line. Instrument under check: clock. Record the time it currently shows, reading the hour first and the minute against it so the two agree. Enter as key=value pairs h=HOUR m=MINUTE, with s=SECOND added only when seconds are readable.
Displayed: h=5 m=7
